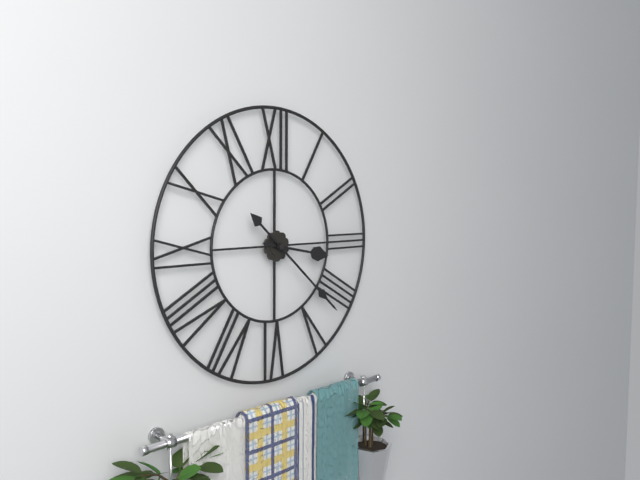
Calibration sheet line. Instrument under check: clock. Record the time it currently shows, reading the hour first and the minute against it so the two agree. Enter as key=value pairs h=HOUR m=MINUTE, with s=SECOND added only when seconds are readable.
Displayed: h=3 m=22
